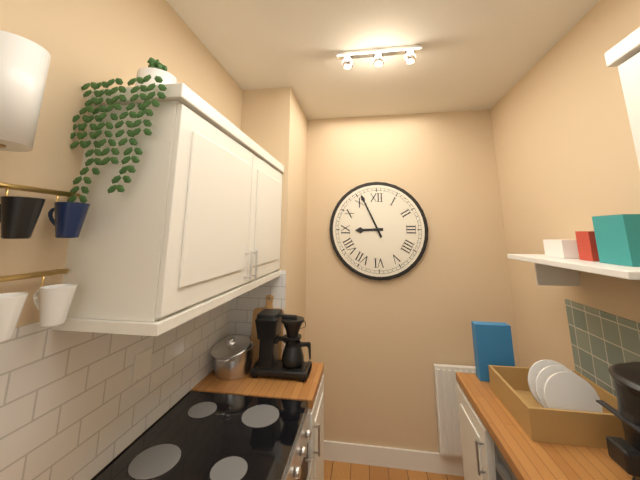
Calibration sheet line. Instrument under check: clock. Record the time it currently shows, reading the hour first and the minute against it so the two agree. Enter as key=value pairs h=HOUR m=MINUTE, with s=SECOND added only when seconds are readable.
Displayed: h=8 m=56
